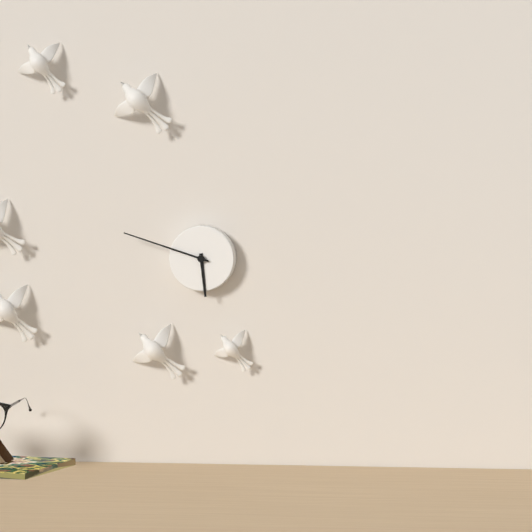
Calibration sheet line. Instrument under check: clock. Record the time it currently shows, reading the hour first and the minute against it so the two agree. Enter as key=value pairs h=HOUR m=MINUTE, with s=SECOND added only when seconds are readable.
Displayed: h=5 m=48
